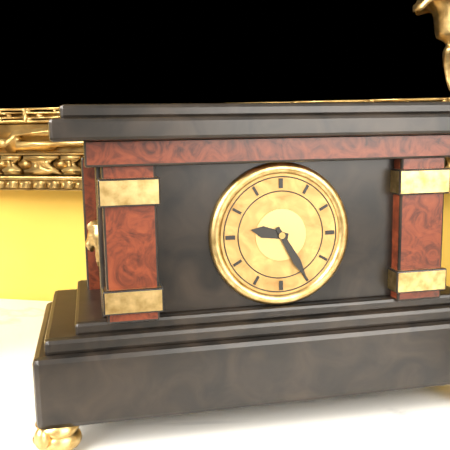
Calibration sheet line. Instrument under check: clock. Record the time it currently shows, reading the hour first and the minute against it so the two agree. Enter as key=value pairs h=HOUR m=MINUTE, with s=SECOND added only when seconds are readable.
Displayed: h=9 m=25
